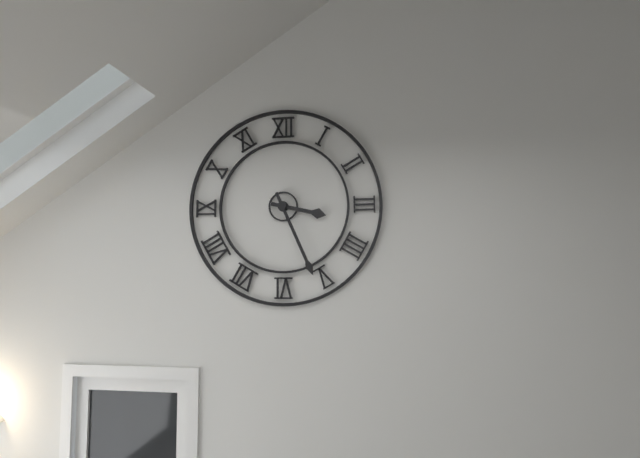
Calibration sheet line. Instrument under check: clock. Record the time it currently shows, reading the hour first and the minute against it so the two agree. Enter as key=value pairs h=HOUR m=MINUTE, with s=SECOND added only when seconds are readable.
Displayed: h=3 m=26
